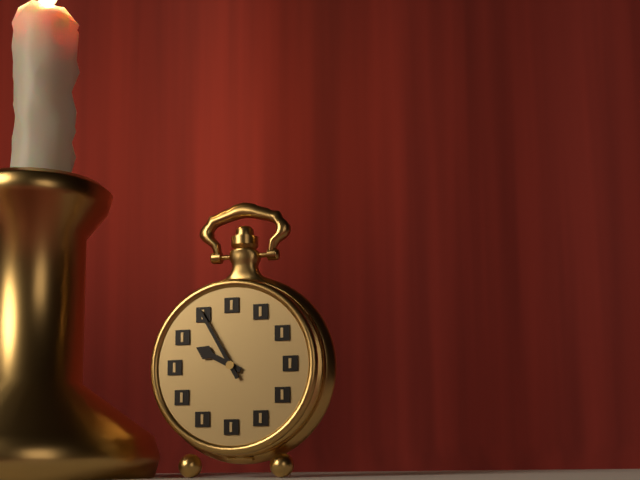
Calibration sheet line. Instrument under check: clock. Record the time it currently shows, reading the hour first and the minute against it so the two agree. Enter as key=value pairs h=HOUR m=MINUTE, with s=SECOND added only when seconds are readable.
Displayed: h=9 m=55
